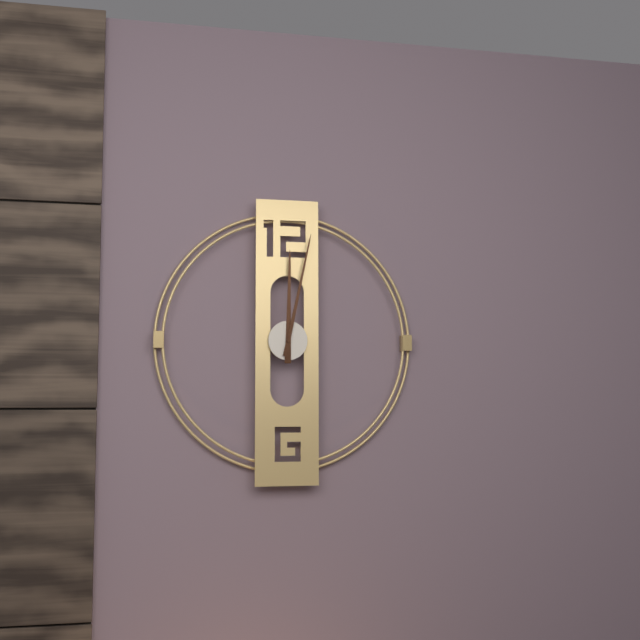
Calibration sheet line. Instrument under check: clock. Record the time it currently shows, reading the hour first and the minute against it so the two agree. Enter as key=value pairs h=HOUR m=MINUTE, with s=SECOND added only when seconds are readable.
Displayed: h=12 m=2
